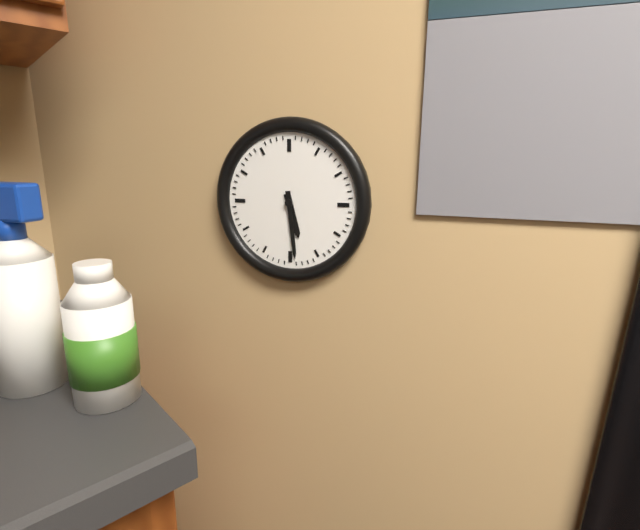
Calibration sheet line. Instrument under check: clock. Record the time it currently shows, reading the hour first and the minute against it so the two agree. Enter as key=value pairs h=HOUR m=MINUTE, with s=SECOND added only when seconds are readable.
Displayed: h=5 m=29
